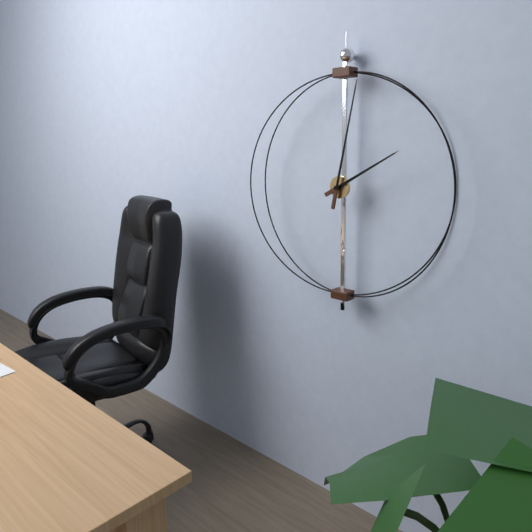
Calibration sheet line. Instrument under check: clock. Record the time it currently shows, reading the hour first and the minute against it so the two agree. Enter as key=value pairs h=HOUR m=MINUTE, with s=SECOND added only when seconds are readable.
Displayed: h=2 m=2
